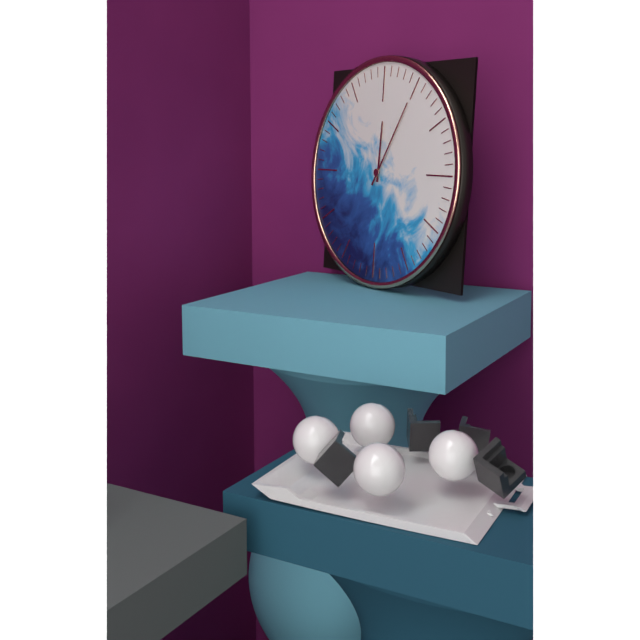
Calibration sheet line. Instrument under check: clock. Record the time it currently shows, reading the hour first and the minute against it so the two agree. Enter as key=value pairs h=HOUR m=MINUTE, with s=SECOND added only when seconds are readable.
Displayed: h=12 m=5
